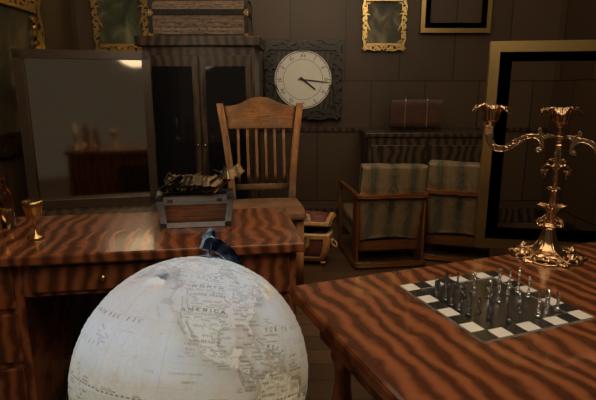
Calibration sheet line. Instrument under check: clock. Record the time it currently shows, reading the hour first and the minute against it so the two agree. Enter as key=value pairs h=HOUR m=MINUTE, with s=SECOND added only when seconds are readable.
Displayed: h=4 m=16
